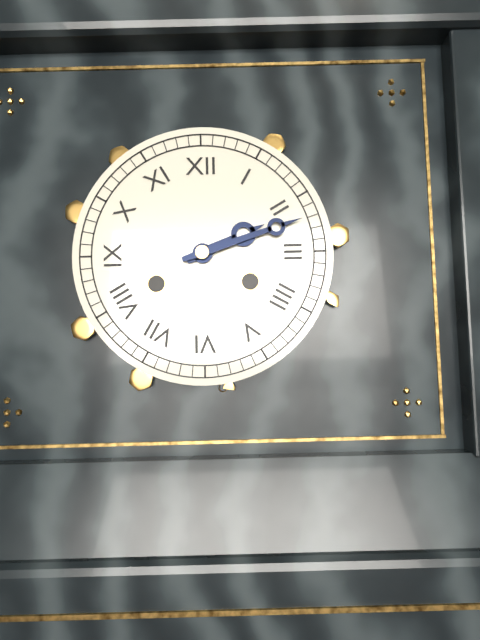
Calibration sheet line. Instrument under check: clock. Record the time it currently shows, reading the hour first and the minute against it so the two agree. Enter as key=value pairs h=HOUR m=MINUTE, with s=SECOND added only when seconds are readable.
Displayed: h=2 m=12
